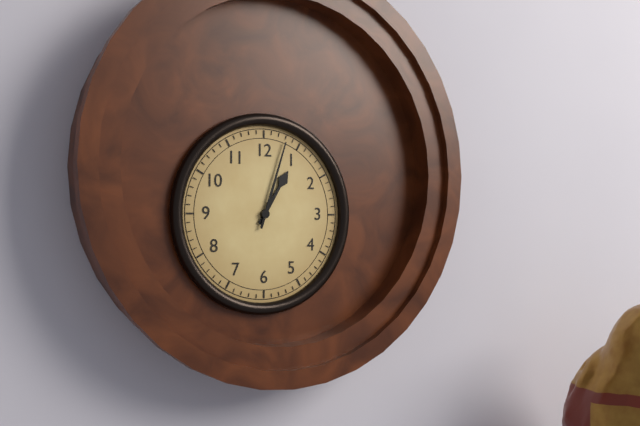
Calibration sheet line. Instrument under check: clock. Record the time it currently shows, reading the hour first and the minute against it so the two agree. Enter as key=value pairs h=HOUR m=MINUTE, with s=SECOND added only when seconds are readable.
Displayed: h=1 m=3
